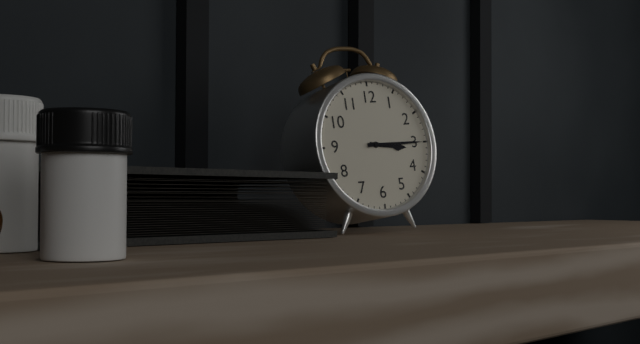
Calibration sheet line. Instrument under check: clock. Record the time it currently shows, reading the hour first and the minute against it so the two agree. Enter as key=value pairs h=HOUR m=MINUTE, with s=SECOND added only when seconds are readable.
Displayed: h=3 m=15
